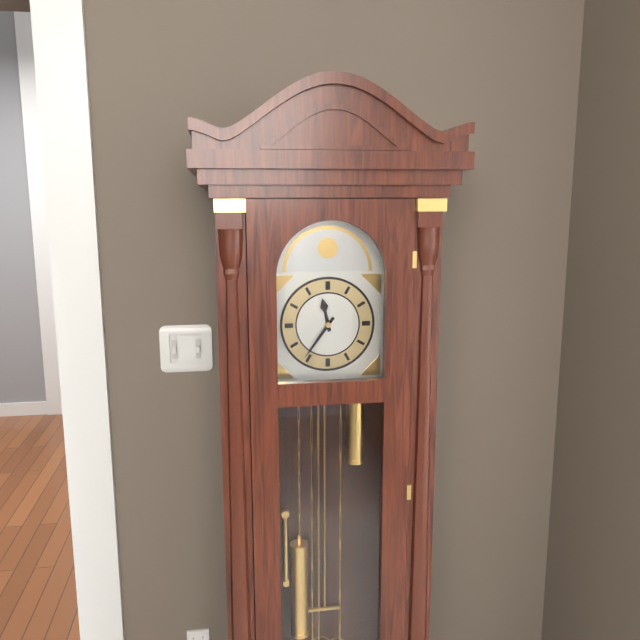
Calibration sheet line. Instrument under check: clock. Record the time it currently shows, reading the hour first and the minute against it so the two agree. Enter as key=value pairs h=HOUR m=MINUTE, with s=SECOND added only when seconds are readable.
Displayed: h=11 m=36
